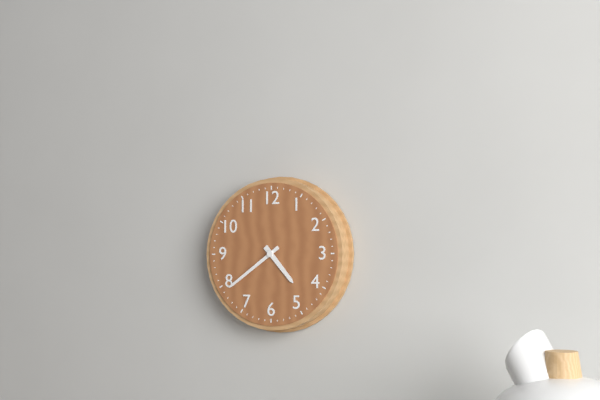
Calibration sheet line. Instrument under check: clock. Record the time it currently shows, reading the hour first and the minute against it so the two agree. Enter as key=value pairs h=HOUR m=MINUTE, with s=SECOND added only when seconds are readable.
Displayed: h=4 m=39
